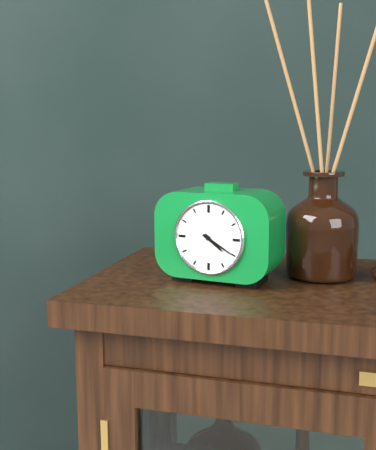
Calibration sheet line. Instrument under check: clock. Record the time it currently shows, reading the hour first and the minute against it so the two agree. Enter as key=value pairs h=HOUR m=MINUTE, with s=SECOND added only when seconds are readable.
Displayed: h=4 m=20
